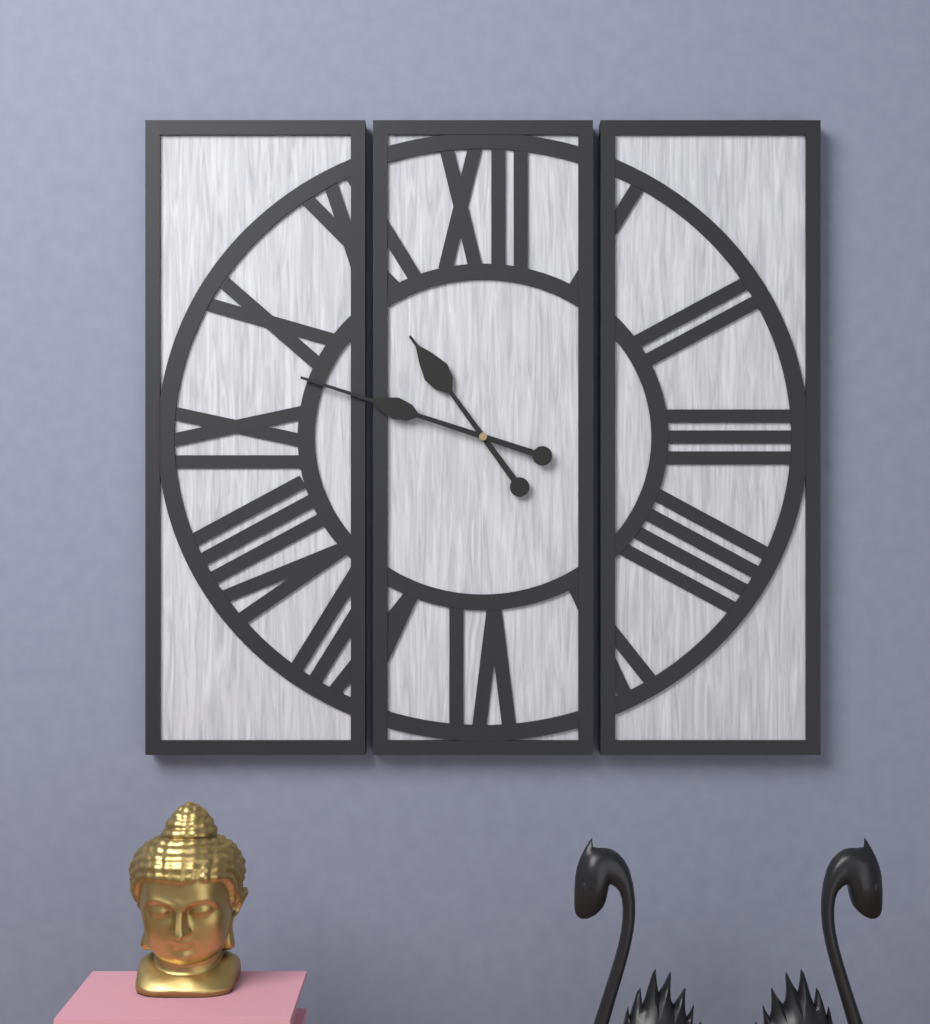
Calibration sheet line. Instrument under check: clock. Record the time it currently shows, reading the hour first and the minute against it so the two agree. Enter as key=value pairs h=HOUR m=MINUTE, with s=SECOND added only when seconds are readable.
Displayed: h=10 m=48
